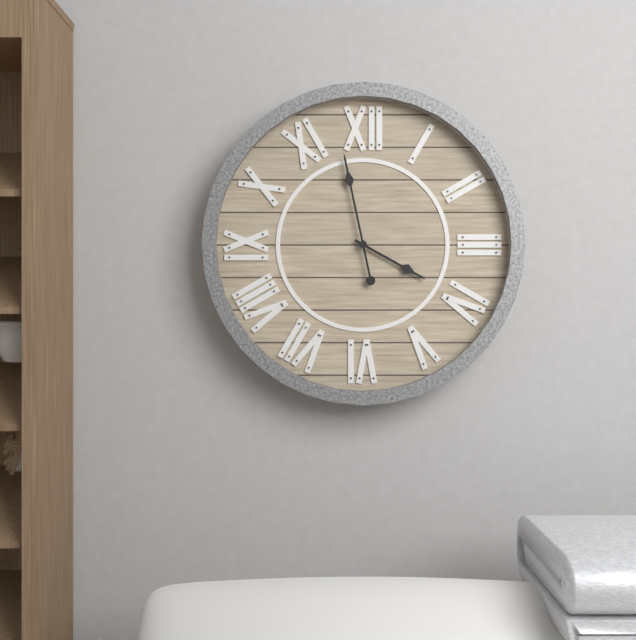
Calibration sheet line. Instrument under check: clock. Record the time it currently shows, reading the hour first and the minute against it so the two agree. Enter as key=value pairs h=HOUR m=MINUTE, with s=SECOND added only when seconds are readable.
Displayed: h=3 m=58
